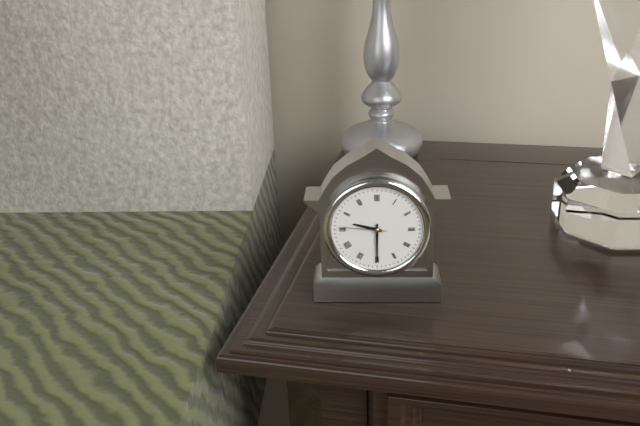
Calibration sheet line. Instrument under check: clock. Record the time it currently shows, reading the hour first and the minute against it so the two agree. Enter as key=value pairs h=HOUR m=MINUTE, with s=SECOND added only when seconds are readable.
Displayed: h=9 m=30
